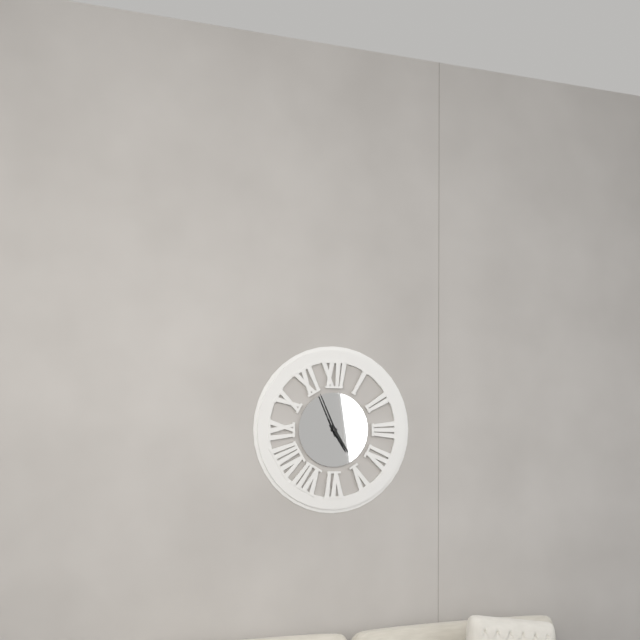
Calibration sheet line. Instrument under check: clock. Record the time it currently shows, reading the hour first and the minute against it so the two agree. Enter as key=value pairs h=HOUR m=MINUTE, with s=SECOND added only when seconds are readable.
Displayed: h=4 m=56
